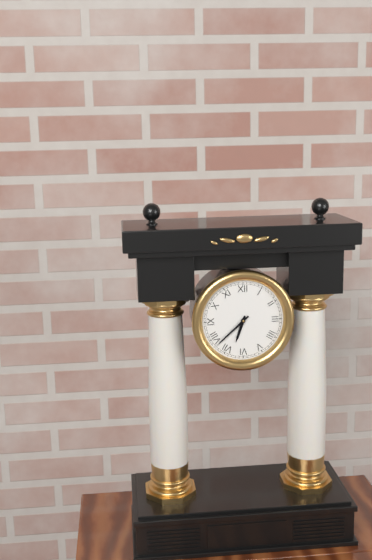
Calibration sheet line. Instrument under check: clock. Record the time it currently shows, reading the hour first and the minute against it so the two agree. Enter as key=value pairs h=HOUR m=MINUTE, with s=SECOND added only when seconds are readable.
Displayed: h=6 m=38
